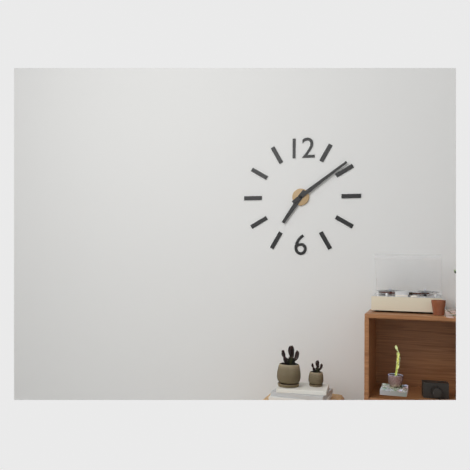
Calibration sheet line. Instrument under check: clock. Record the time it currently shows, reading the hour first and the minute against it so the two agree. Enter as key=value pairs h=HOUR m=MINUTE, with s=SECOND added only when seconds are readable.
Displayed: h=7 m=9
